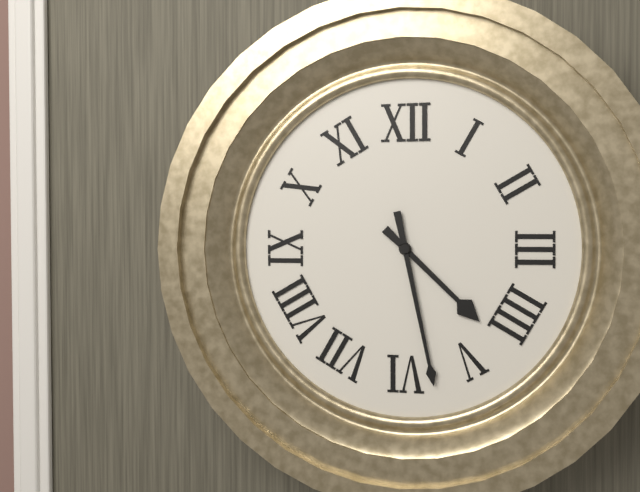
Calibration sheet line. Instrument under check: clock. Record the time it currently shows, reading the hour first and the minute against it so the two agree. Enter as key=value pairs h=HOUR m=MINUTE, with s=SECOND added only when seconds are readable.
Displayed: h=4 m=28
